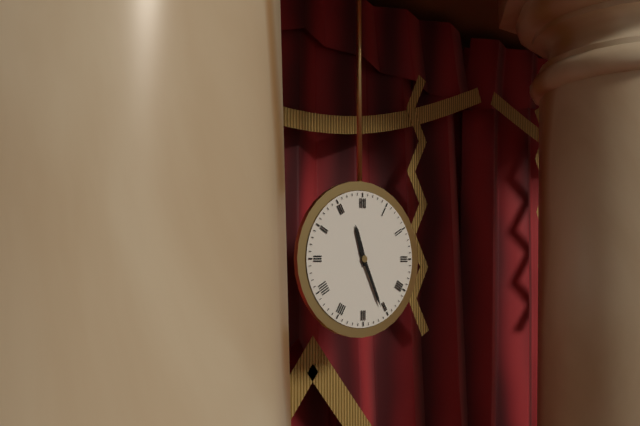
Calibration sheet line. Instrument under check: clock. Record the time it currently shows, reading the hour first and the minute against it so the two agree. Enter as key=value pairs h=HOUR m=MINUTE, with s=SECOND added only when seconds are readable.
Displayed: h=11 m=26
